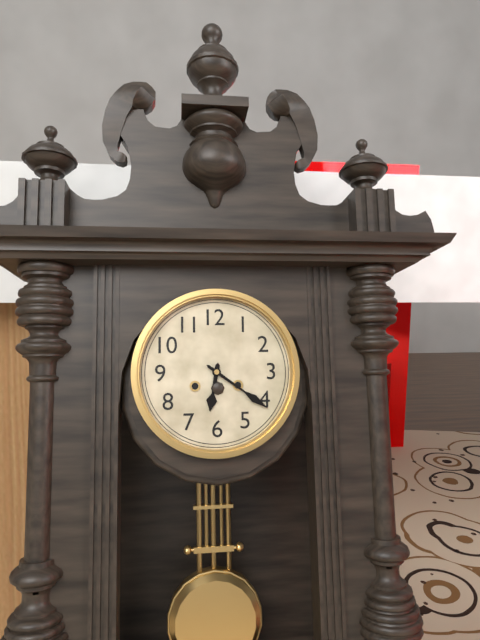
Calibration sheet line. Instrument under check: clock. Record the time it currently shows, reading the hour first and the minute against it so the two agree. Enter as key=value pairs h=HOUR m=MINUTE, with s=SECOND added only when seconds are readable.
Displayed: h=6 m=21
